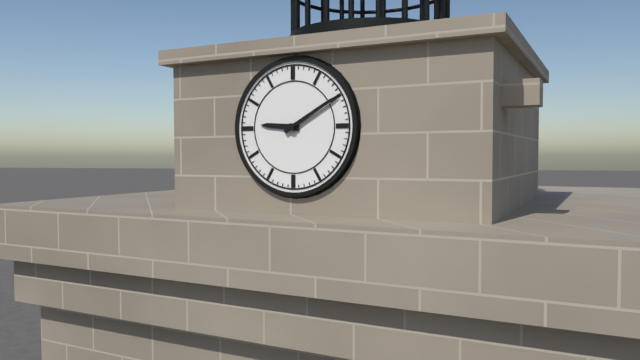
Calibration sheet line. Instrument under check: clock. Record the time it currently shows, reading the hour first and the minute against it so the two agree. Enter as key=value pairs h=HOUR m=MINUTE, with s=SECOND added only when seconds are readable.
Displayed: h=9 m=10
